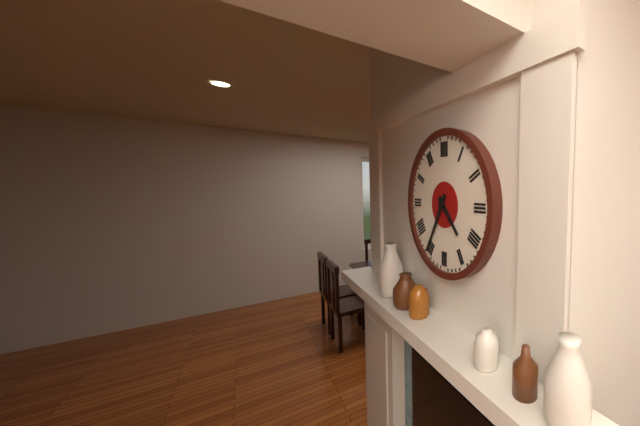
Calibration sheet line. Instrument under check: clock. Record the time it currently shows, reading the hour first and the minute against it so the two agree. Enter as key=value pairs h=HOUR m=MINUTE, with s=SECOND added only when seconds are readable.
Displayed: h=4 m=35
